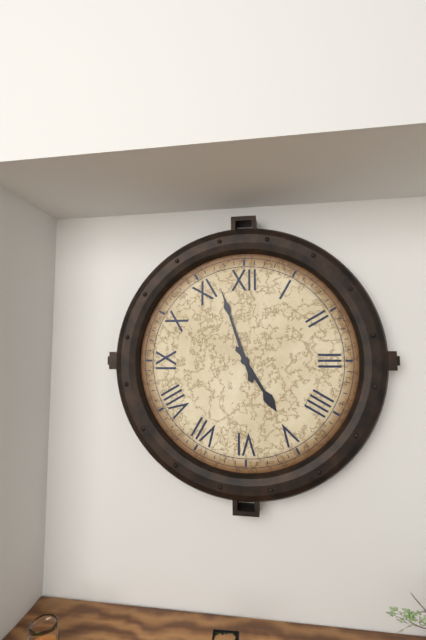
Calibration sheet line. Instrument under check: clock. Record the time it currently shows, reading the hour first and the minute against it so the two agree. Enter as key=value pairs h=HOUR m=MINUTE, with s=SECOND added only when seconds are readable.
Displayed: h=4 m=57
